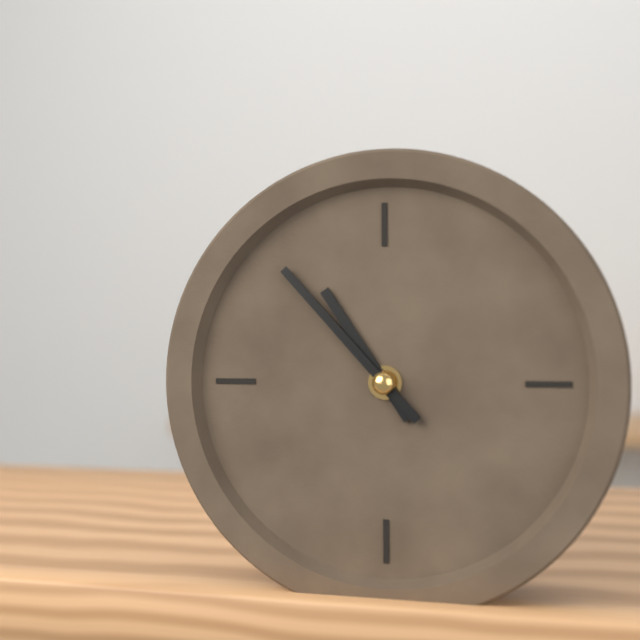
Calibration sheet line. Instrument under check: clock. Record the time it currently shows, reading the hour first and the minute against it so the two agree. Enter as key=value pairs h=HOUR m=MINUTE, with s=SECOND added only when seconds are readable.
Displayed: h=10 m=53
